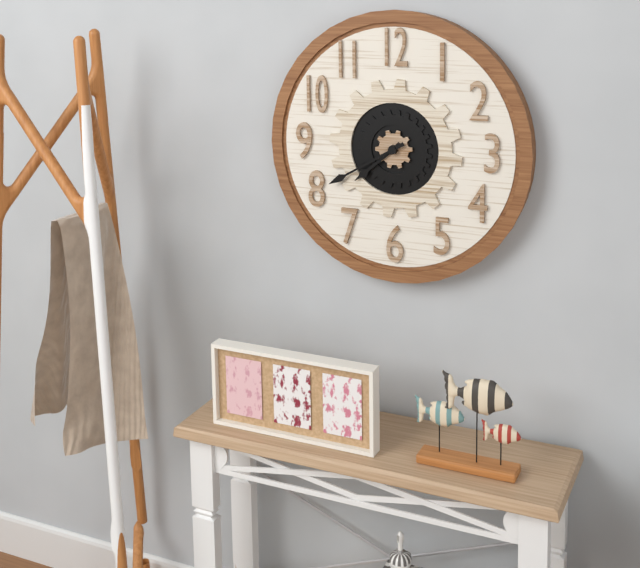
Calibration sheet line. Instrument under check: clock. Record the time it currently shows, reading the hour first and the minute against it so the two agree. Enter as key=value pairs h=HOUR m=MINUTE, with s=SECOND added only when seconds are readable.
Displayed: h=7 m=40
